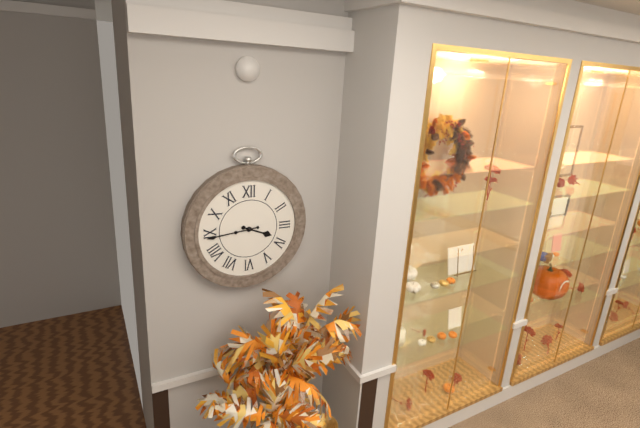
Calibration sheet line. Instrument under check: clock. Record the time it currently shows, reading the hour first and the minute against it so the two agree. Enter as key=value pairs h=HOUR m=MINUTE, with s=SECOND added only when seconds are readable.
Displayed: h=3 m=44
